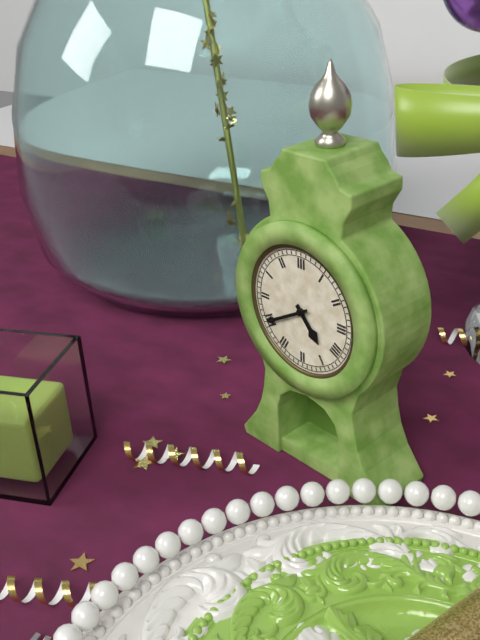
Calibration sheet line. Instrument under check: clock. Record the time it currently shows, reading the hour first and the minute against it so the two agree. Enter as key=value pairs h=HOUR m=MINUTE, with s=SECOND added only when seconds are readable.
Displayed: h=4 m=40
